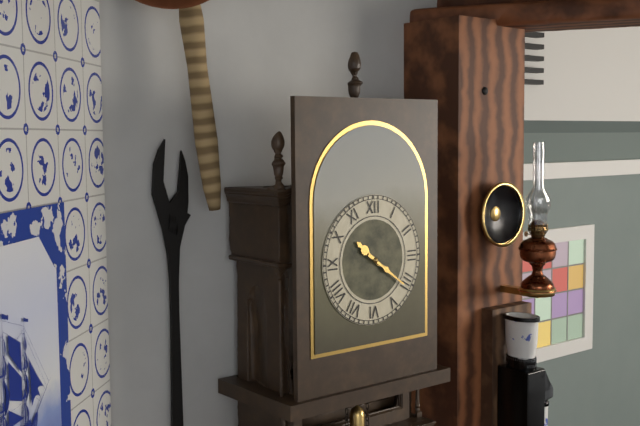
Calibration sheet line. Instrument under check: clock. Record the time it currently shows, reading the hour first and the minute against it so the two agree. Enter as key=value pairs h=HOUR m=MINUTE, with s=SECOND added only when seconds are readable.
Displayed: h=10 m=21
